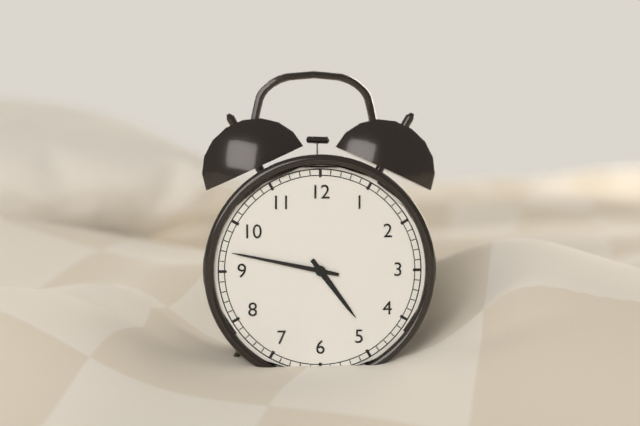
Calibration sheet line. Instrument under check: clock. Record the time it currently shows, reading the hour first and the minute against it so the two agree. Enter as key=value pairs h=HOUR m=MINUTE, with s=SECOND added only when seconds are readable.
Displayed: h=4 m=47
